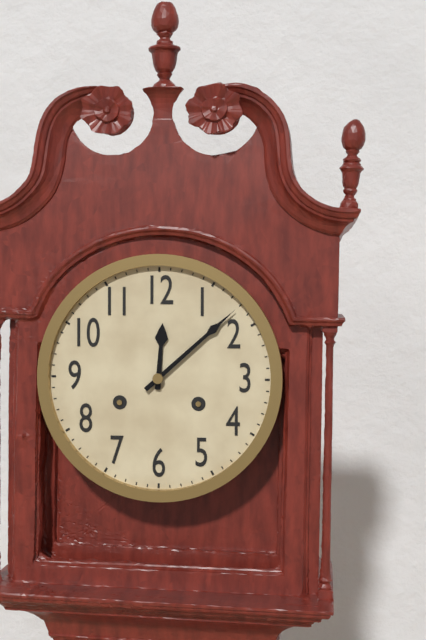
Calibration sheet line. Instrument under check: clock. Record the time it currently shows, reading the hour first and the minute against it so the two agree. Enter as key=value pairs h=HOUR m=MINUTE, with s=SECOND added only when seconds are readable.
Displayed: h=12 m=8
